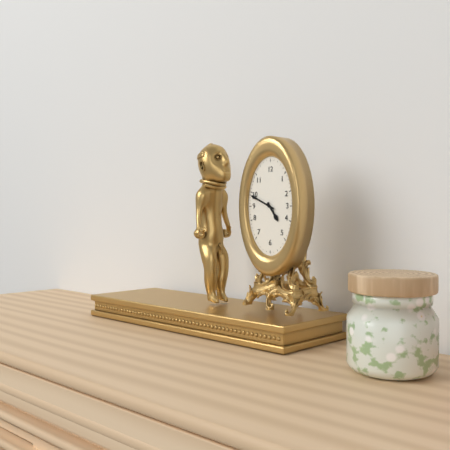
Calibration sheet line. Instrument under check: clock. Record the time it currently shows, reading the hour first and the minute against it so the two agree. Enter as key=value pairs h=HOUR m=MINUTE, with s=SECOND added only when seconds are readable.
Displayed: h=4 m=49
